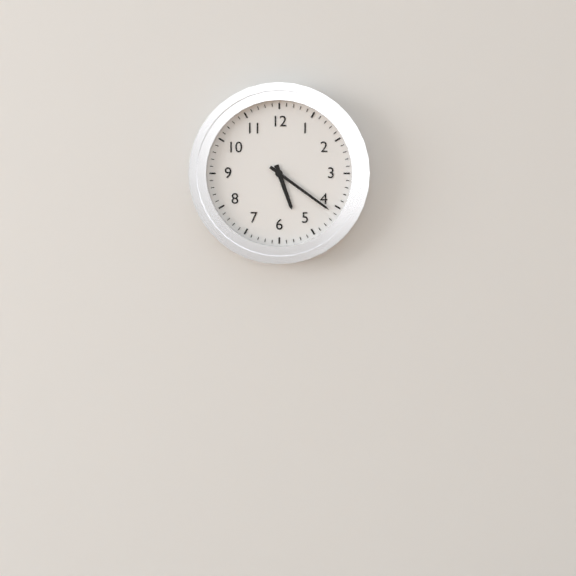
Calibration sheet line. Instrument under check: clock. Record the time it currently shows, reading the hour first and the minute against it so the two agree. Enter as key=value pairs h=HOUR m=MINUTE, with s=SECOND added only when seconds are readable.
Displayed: h=5 m=21
